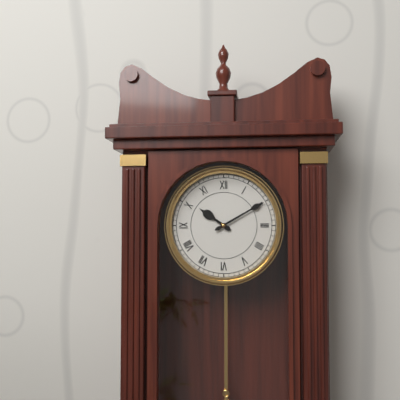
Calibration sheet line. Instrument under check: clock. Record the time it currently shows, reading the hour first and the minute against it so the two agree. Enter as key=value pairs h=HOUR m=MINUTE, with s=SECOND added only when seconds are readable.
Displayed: h=10 m=10
